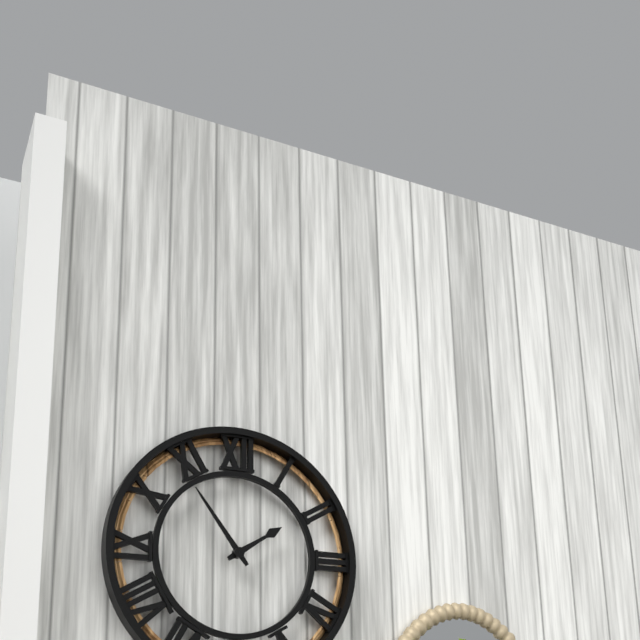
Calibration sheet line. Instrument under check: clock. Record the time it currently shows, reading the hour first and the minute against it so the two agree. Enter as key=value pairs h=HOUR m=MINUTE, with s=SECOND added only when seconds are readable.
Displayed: h=1 m=54
